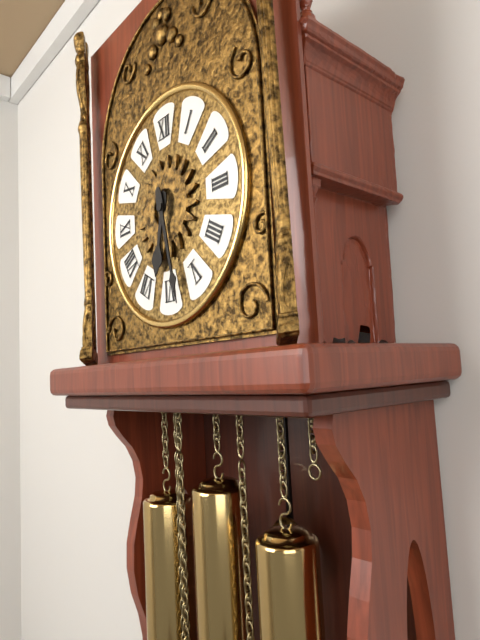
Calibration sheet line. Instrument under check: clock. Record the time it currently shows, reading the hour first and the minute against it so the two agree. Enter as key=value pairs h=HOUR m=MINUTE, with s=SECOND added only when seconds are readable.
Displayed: h=6 m=28
